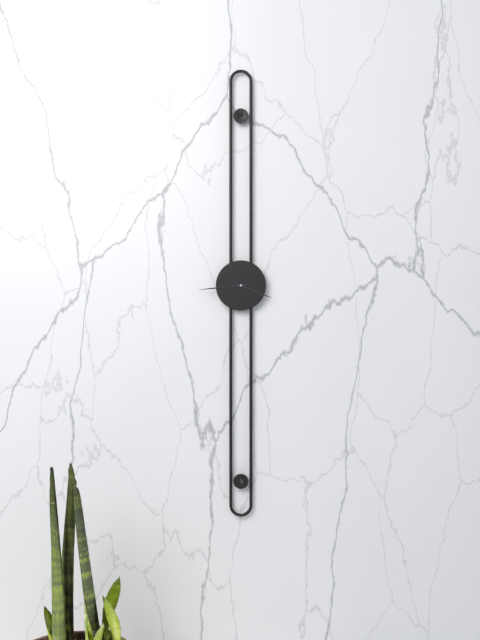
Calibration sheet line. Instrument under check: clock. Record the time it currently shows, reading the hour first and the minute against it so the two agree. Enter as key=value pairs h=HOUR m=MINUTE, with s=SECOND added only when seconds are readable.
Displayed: h=3 m=44
